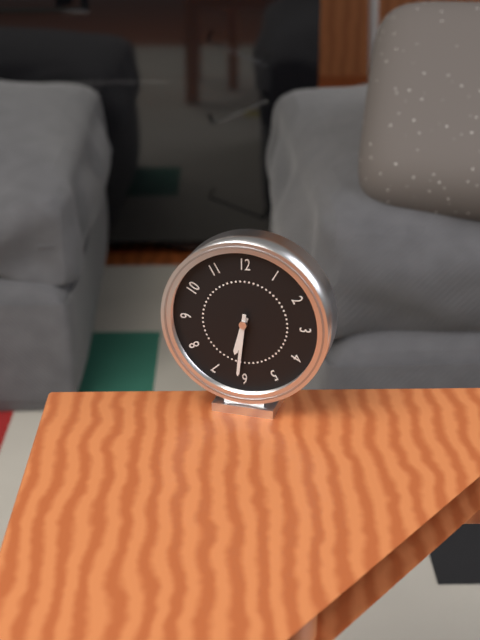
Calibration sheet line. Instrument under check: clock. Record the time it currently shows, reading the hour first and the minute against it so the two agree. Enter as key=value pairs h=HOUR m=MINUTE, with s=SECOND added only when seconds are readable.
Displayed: h=6 m=31
